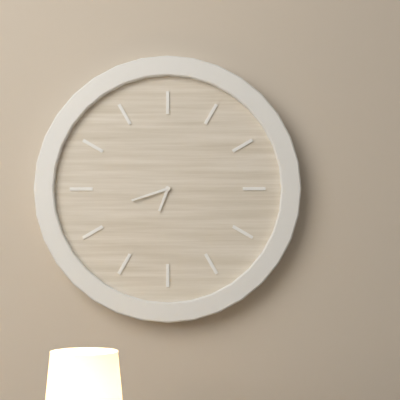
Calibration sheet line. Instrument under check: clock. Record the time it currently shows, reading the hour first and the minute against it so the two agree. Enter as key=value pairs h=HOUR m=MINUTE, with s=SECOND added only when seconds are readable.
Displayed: h=6 m=42
